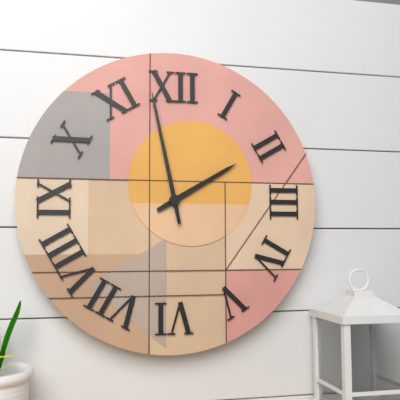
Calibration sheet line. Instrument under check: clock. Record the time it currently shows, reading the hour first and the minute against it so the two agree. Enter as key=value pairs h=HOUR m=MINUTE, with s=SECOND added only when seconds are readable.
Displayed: h=1 m=58
